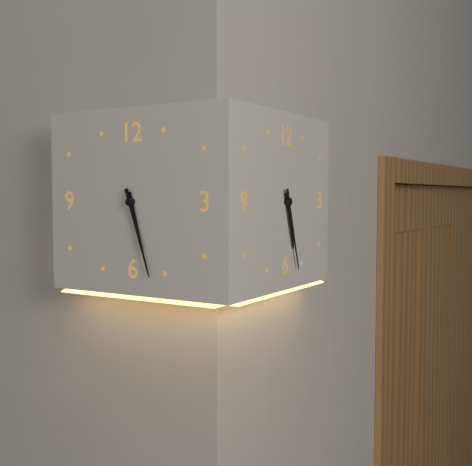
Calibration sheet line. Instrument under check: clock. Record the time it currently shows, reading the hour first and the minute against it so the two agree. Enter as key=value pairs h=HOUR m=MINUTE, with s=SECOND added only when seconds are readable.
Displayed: h=5 m=27
